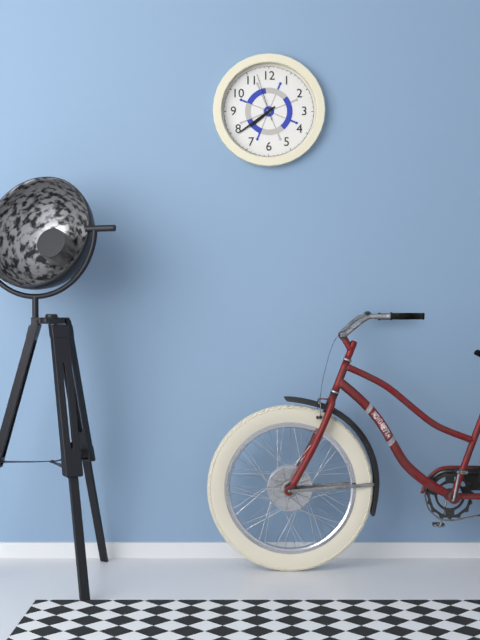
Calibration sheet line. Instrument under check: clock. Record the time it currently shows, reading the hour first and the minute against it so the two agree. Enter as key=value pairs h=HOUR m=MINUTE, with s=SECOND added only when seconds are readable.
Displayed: h=7 m=39
